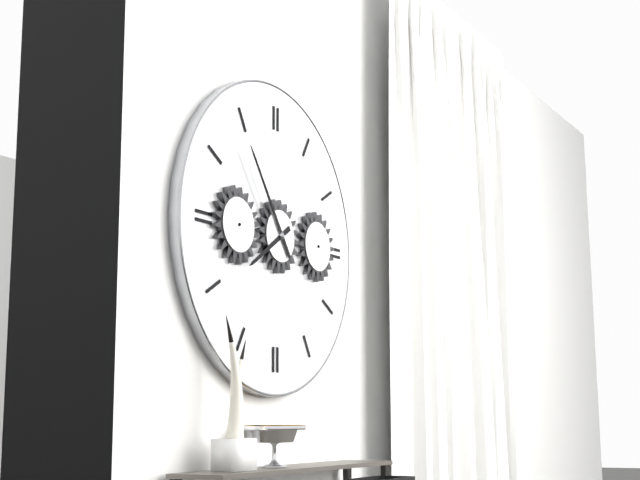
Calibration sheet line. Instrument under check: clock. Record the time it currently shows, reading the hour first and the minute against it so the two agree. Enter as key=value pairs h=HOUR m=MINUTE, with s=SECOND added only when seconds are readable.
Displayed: h=7 m=54
